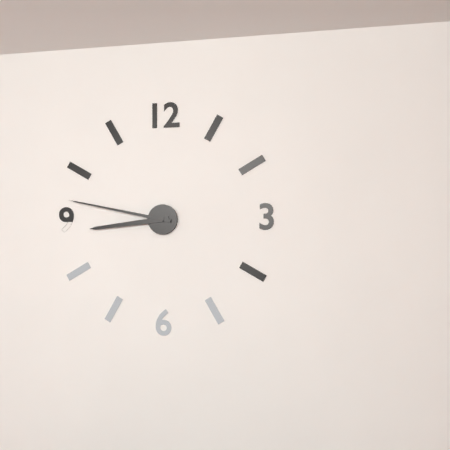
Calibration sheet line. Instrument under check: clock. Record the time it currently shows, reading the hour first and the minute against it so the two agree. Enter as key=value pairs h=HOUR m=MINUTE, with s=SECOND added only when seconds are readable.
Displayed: h=8 m=47
